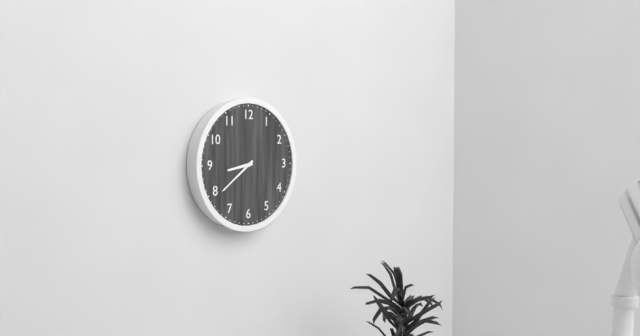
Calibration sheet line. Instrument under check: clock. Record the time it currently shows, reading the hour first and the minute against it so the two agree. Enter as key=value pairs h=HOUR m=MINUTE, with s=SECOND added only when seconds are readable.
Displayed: h=8 m=39
